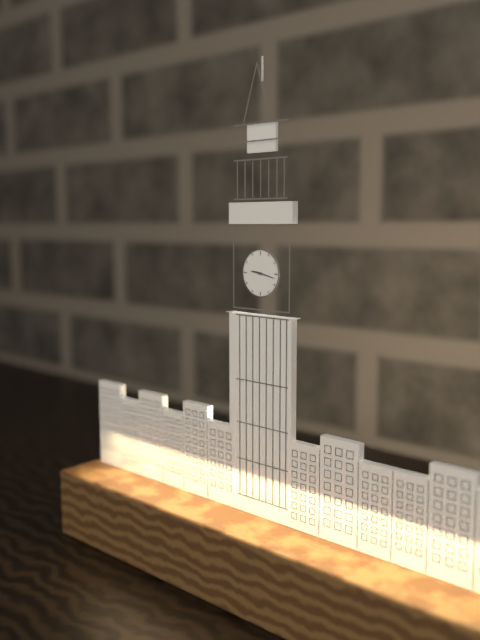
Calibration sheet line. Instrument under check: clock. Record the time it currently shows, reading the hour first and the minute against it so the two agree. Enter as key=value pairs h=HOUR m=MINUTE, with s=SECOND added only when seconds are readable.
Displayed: h=9 m=17
